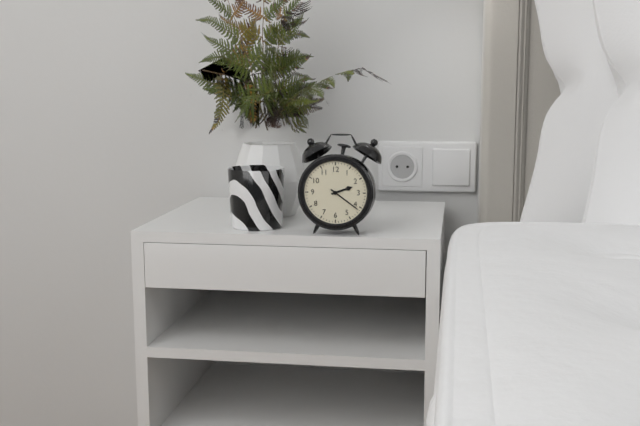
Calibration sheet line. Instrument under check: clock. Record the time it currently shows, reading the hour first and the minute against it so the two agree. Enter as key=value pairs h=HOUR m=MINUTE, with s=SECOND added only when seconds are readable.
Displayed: h=2 m=21
